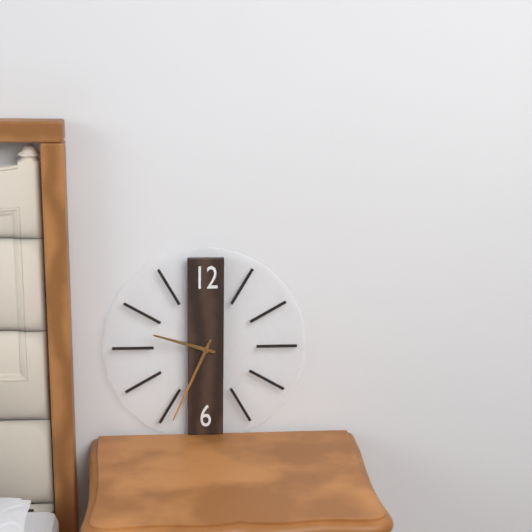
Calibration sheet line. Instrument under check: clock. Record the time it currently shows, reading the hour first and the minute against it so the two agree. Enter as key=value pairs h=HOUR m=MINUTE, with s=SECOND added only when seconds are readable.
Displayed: h=9 m=34
